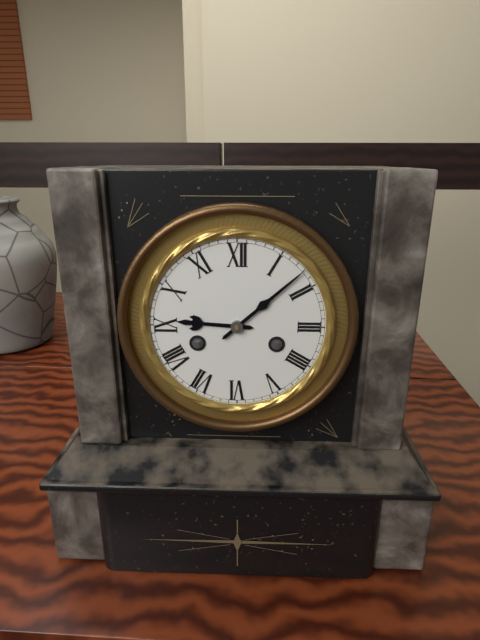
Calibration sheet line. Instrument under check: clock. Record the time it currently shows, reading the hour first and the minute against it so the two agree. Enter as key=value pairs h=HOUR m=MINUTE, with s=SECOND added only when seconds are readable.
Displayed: h=9 m=8
